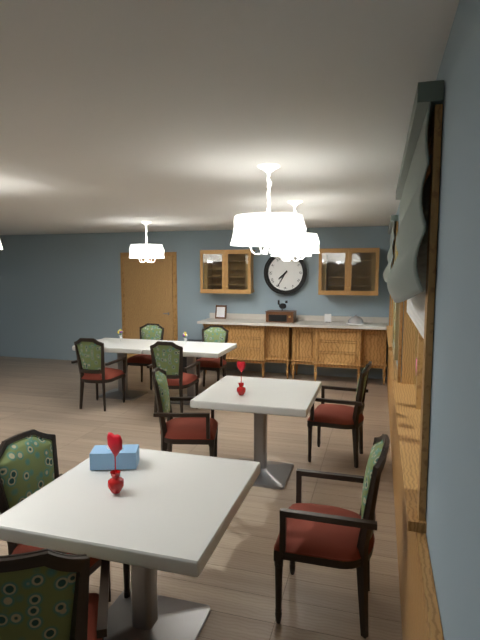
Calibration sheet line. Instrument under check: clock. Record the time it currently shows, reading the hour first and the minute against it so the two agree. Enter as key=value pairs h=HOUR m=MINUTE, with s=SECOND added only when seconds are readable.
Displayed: h=7 m=35
